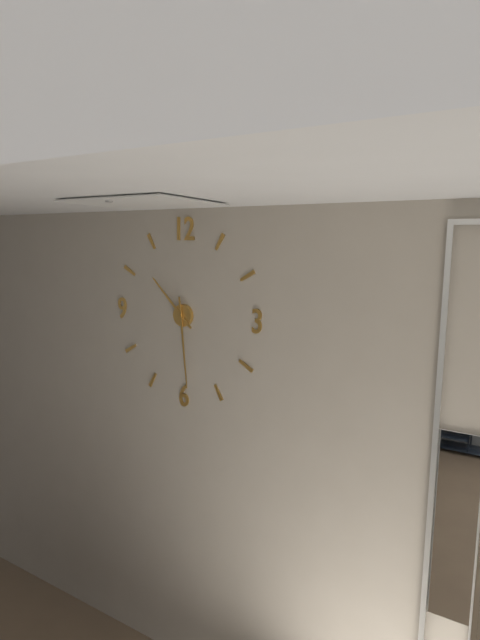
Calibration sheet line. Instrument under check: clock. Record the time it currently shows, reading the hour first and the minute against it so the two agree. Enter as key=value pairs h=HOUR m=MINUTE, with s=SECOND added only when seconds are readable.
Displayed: h=10 m=29
